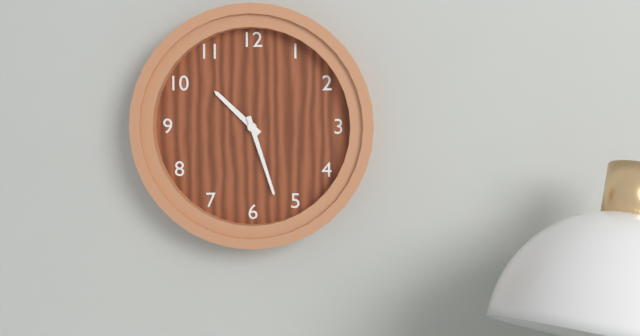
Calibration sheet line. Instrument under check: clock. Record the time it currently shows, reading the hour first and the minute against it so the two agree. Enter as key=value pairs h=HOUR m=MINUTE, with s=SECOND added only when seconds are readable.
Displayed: h=10 m=27
